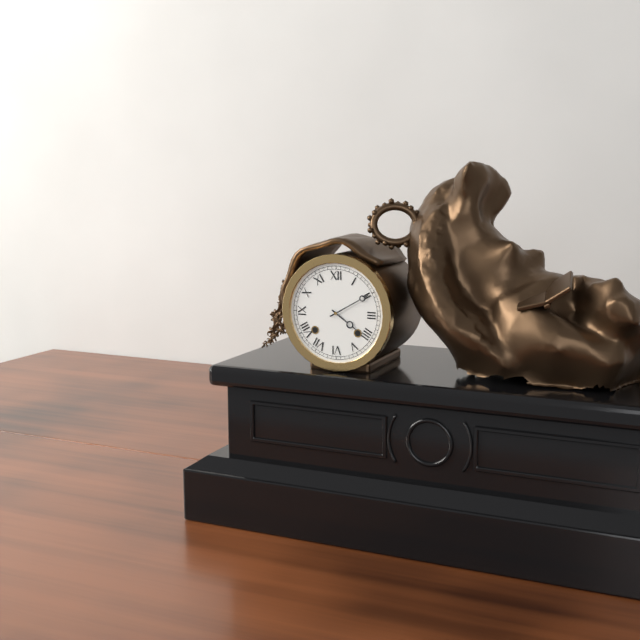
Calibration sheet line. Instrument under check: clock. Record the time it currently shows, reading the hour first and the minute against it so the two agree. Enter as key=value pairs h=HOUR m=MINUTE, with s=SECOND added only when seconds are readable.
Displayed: h=4 m=10
